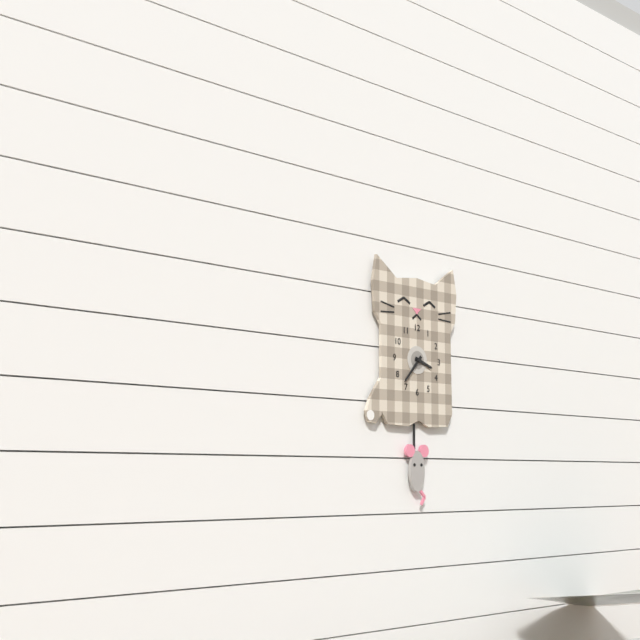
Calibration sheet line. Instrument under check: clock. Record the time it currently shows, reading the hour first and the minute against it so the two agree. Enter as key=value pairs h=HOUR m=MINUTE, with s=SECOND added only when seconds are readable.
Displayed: h=3 m=37
